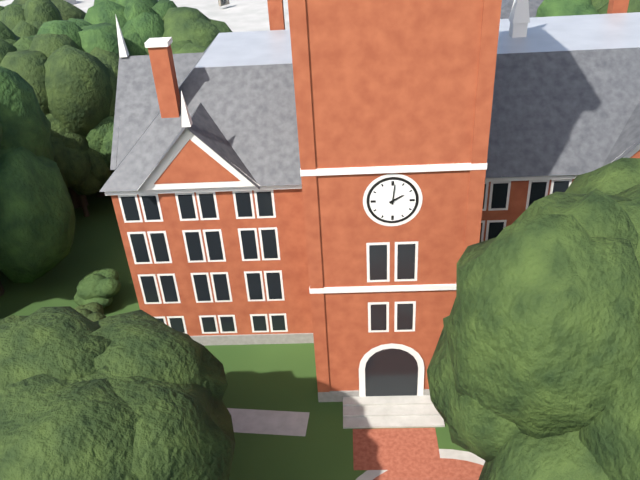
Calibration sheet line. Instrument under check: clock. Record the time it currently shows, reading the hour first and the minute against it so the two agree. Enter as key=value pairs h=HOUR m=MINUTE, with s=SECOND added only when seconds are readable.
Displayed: h=2 m=1
